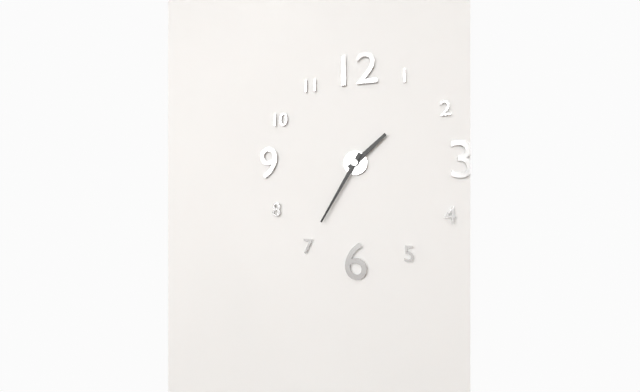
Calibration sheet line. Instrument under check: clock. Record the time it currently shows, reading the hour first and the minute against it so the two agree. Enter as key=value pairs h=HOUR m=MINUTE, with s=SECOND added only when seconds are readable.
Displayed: h=1 m=35
